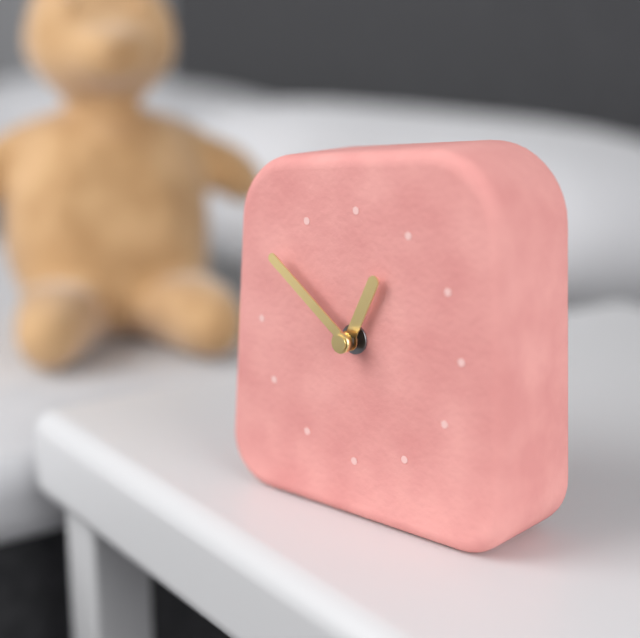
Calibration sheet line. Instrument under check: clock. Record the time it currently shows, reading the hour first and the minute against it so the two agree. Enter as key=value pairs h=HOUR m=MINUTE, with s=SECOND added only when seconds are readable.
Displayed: h=12 m=51
